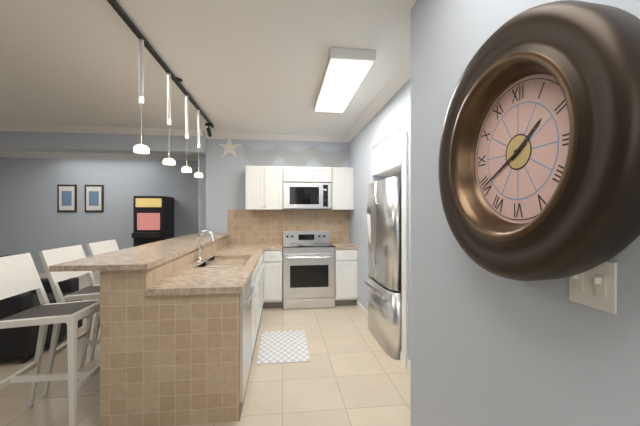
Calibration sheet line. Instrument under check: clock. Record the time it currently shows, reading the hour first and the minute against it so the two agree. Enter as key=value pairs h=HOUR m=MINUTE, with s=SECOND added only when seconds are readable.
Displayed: h=1 m=40
